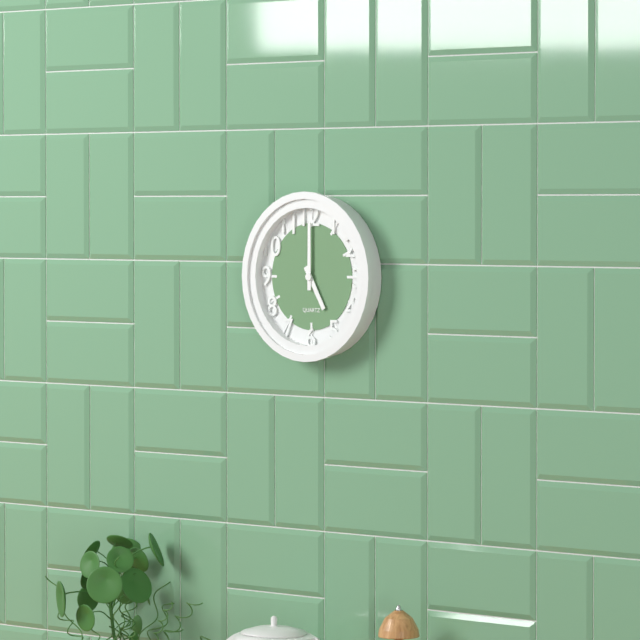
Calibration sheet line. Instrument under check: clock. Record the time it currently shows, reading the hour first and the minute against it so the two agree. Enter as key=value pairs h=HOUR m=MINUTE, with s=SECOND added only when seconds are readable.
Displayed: h=5 m=0
